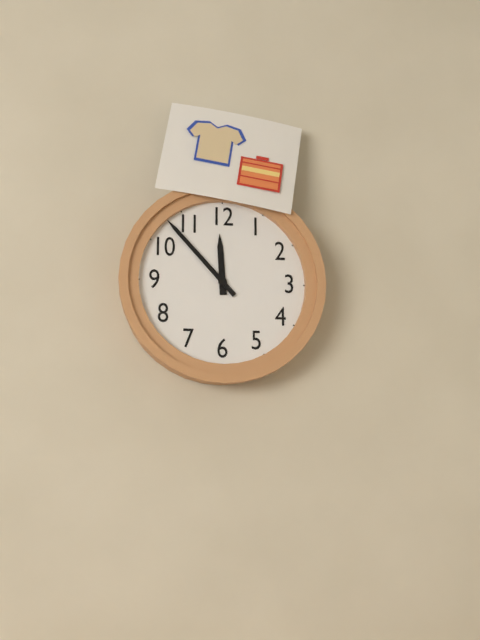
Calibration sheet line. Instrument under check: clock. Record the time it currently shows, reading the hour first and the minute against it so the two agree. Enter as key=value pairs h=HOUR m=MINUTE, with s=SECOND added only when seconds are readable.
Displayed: h=11 m=53
